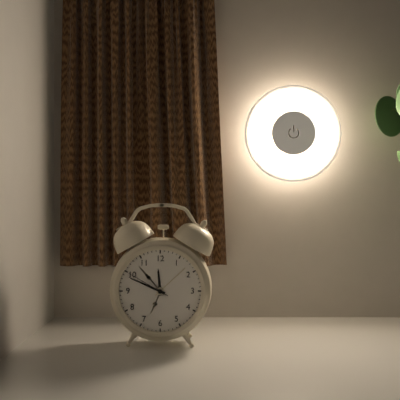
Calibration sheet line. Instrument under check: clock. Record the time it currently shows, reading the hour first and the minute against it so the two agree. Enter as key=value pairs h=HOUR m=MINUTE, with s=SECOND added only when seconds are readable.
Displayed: h=11 m=49
